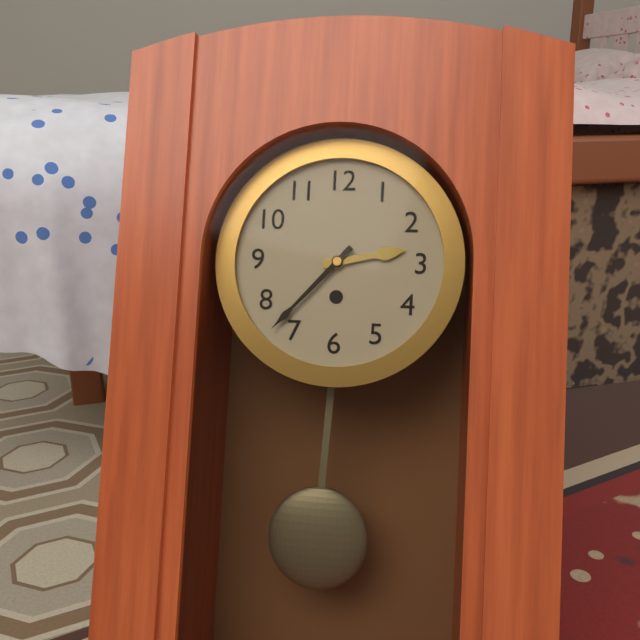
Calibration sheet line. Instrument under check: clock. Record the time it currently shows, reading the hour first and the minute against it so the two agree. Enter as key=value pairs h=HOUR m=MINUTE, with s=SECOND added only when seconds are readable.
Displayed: h=2 m=37
